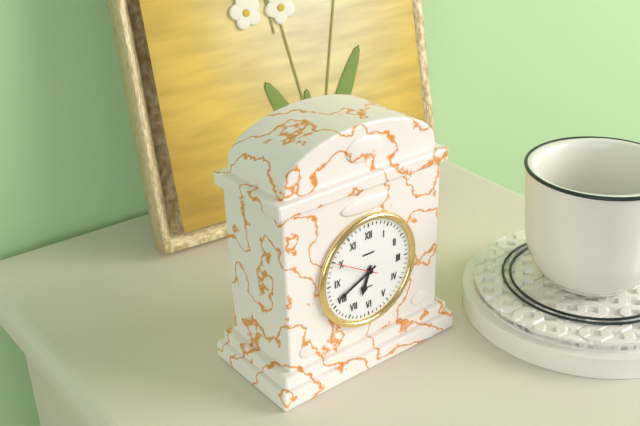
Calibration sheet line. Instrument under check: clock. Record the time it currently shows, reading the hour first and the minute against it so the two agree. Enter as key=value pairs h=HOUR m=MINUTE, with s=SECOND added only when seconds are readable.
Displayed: h=6 m=41
